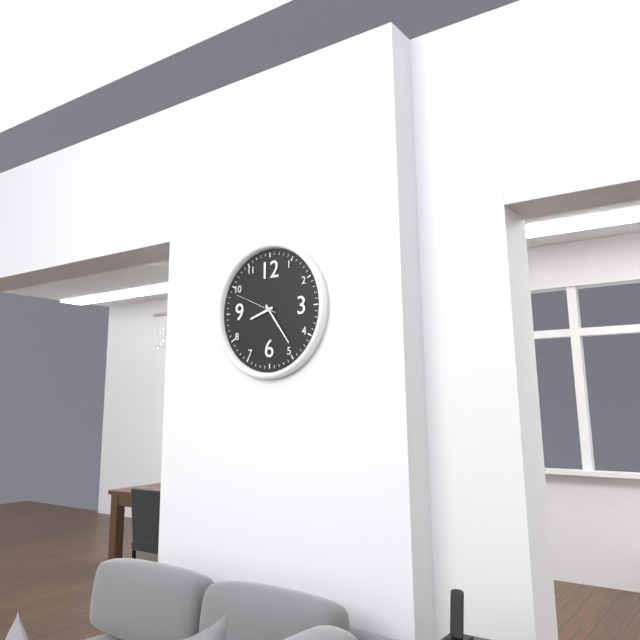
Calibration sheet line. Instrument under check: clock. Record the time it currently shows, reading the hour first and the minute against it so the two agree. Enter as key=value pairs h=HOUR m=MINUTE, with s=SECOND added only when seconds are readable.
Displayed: h=8 m=24
